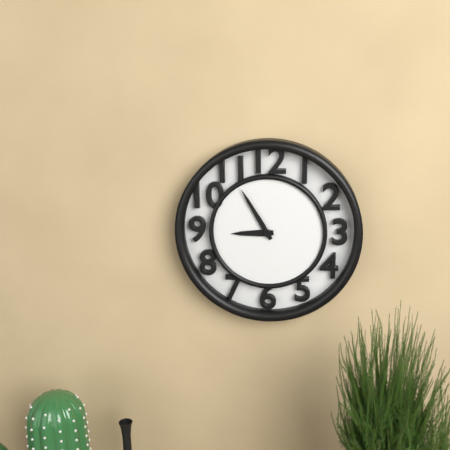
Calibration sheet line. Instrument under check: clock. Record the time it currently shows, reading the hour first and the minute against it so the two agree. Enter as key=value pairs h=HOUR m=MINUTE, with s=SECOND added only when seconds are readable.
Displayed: h=8 m=55
